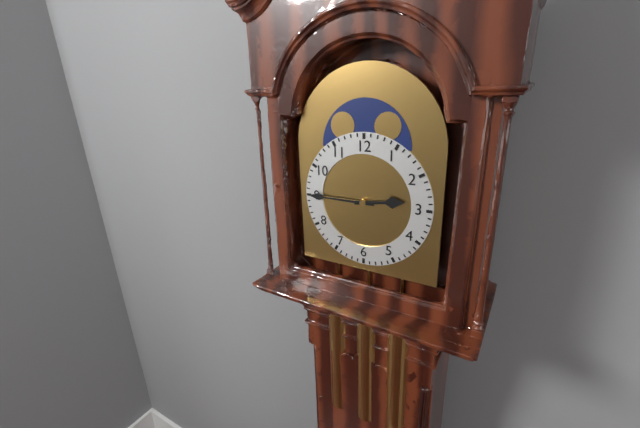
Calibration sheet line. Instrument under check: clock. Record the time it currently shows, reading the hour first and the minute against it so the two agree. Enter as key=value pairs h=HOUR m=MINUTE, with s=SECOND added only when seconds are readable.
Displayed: h=2 m=45
